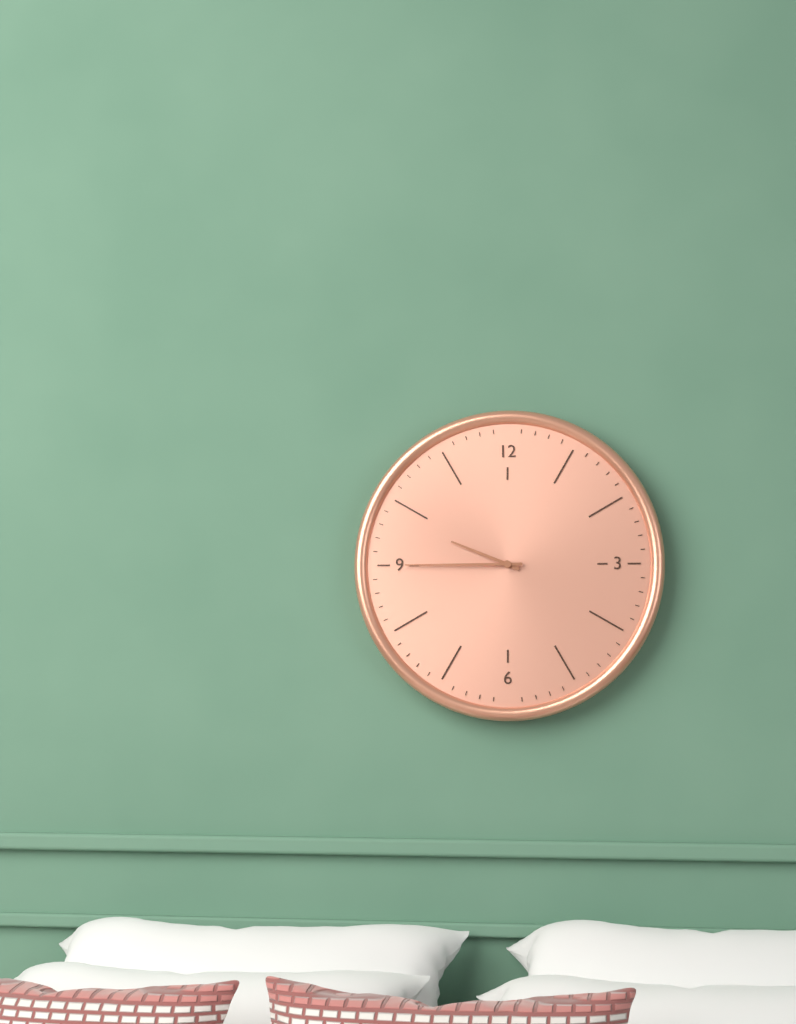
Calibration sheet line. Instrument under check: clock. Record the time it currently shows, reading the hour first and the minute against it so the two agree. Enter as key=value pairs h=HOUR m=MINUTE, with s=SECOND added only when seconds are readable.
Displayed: h=9 m=45
